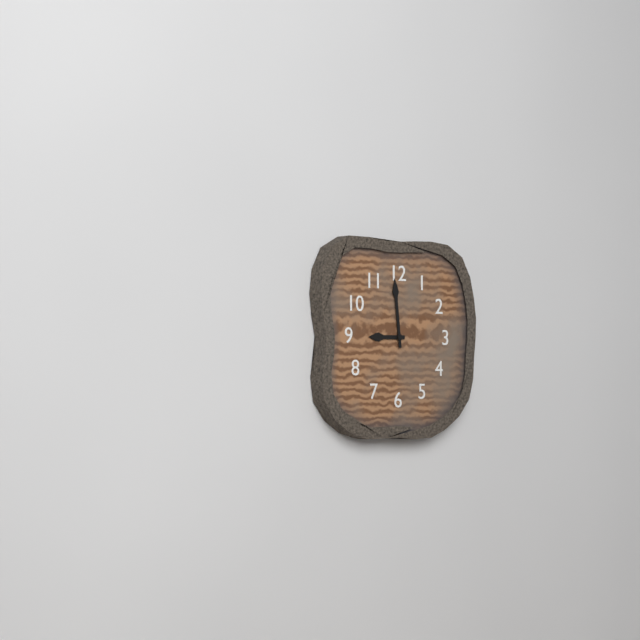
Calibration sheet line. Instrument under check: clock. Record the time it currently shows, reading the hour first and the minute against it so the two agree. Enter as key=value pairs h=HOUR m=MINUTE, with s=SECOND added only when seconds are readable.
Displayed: h=8 m=59
